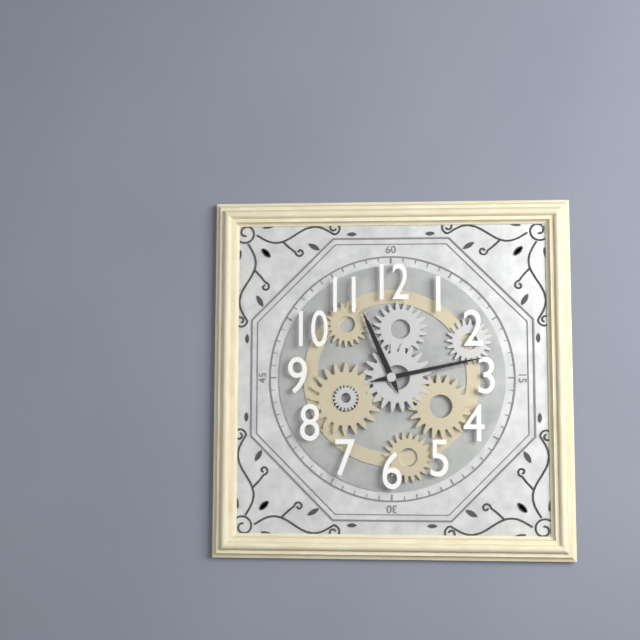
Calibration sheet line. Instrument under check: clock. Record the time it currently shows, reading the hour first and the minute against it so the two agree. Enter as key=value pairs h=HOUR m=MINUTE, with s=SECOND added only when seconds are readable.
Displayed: h=11 m=13
